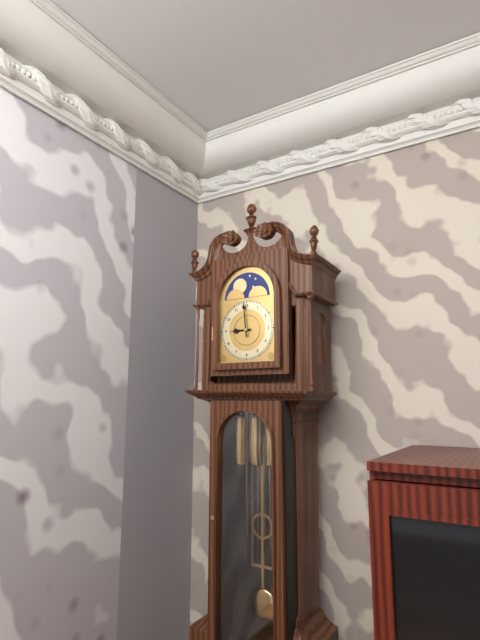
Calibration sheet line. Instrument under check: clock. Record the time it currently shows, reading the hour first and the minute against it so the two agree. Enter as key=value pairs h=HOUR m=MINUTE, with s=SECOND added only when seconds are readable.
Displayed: h=8 m=59
